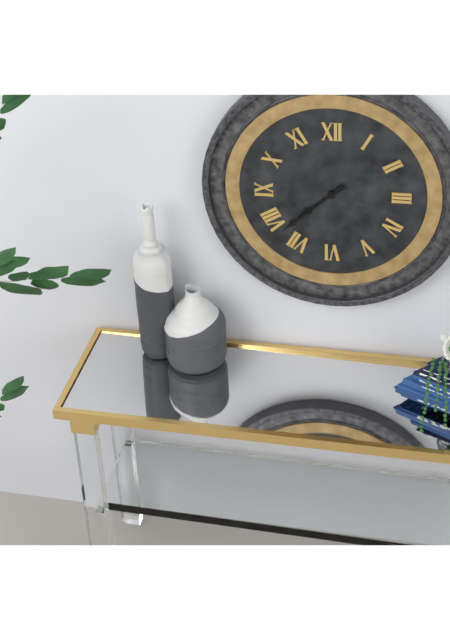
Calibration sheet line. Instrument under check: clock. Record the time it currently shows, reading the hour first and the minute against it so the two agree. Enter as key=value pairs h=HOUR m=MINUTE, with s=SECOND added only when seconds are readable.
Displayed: h=7 m=38
